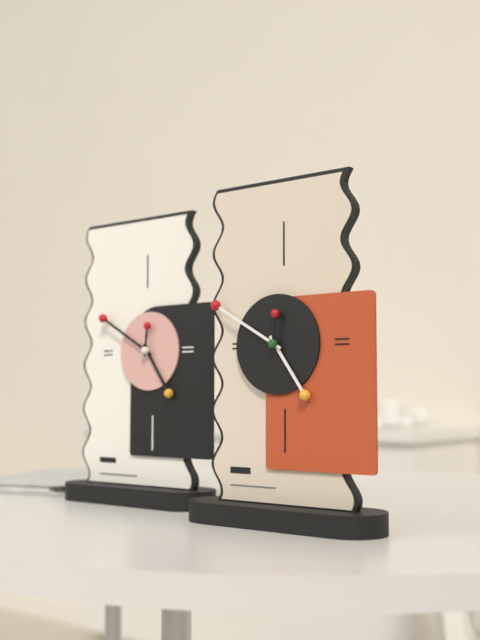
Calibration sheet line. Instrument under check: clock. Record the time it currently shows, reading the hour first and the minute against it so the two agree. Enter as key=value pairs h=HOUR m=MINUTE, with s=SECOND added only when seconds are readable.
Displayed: h=4 m=50
